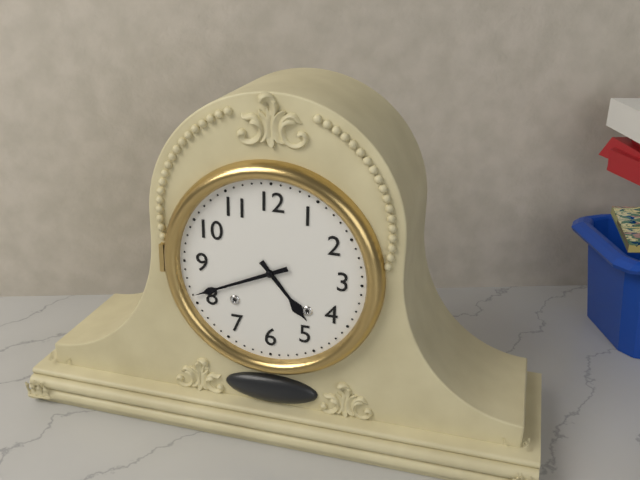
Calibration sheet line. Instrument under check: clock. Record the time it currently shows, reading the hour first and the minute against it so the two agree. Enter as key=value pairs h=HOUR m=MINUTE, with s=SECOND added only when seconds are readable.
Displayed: h=4 m=41
